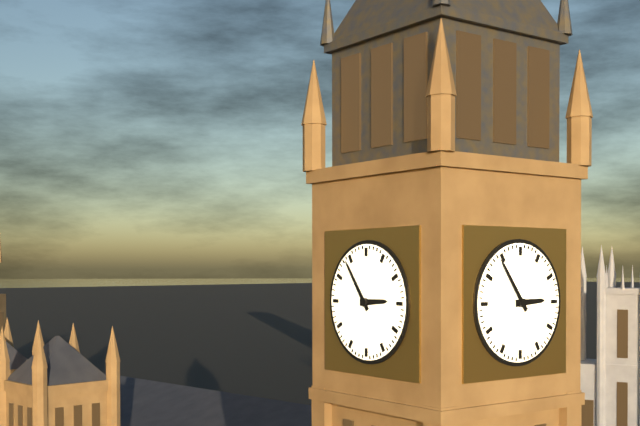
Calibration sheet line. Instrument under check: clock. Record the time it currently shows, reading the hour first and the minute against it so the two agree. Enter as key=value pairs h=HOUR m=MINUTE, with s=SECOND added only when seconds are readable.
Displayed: h=2 m=54
